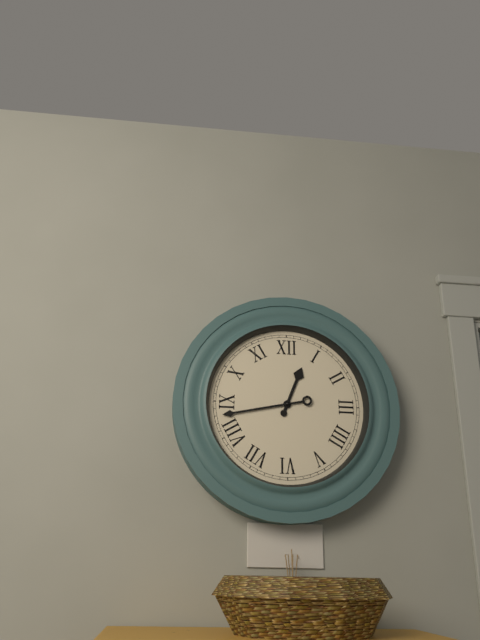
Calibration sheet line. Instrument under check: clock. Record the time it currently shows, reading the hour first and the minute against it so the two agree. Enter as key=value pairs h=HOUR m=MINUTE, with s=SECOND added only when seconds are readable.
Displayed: h=12 m=43
